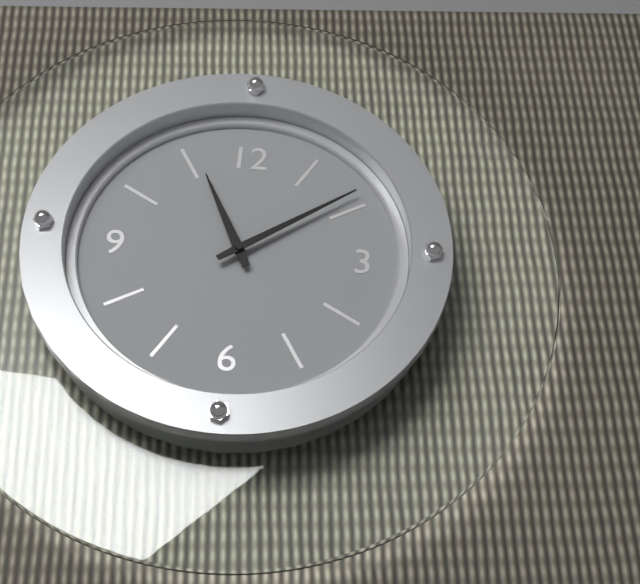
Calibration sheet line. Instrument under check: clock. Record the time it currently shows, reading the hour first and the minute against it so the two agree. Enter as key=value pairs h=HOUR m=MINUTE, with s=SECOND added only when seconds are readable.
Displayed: h=11 m=9
